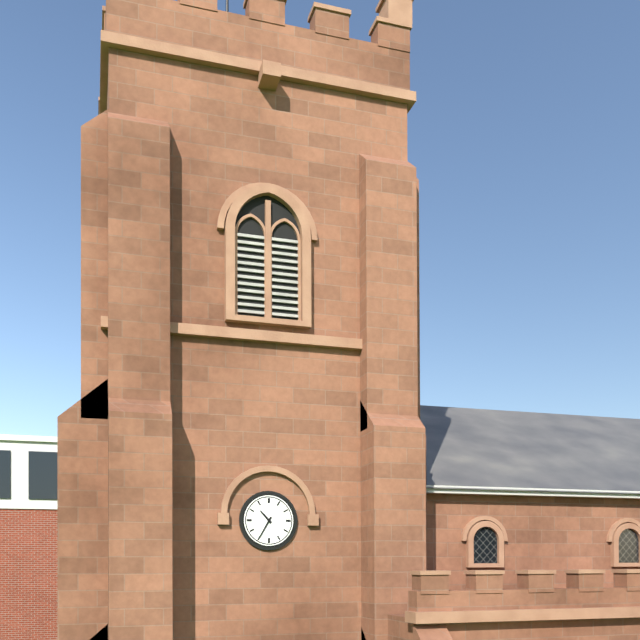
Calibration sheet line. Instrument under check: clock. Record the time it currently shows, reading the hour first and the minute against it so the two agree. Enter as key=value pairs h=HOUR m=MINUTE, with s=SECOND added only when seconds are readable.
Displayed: h=10 m=35
